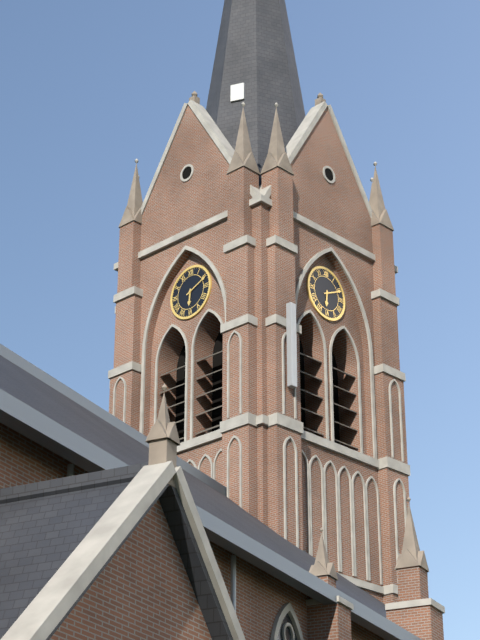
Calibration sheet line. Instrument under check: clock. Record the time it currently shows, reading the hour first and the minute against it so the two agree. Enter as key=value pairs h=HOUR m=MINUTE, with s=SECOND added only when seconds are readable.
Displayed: h=6 m=11
